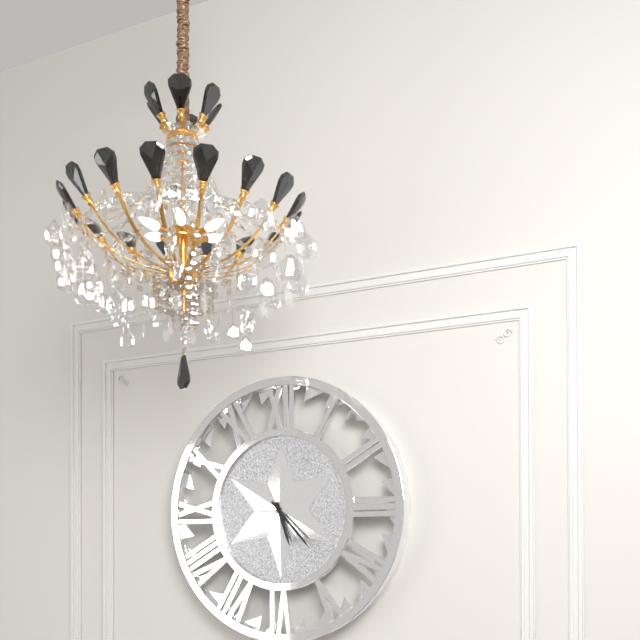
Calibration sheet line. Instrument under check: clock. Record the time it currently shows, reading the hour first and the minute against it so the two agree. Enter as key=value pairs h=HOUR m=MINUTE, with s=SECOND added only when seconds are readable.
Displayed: h=5 m=23
